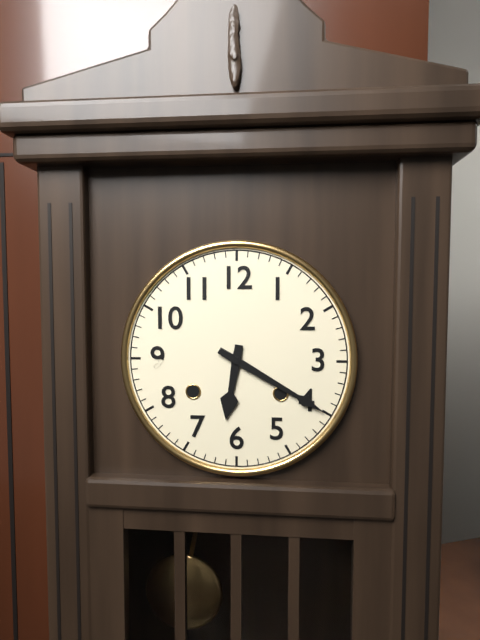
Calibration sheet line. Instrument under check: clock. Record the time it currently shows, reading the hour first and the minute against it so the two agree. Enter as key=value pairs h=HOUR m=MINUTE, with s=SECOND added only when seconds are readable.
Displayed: h=6 m=20
